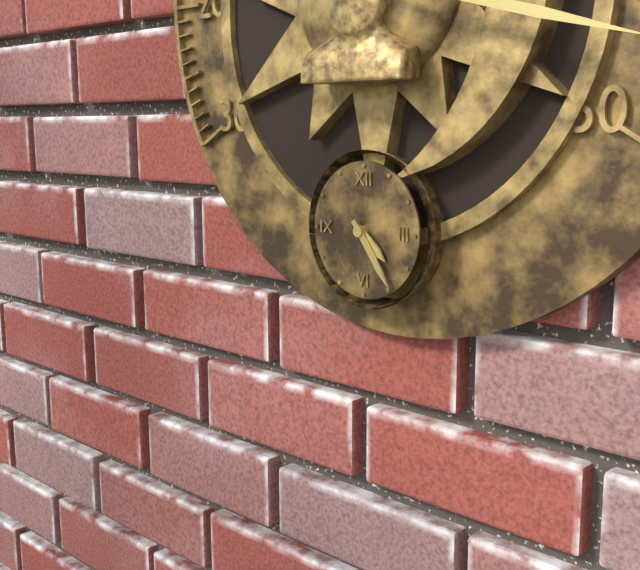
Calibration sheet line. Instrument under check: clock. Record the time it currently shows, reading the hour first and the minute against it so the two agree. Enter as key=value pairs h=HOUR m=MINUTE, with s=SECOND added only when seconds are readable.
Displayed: h=4 m=24
